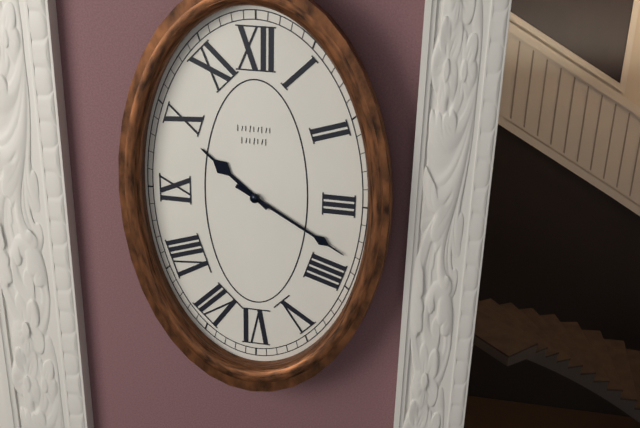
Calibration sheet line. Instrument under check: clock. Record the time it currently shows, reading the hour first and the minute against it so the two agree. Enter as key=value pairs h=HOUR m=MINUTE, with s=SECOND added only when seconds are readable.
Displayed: h=10 m=20
